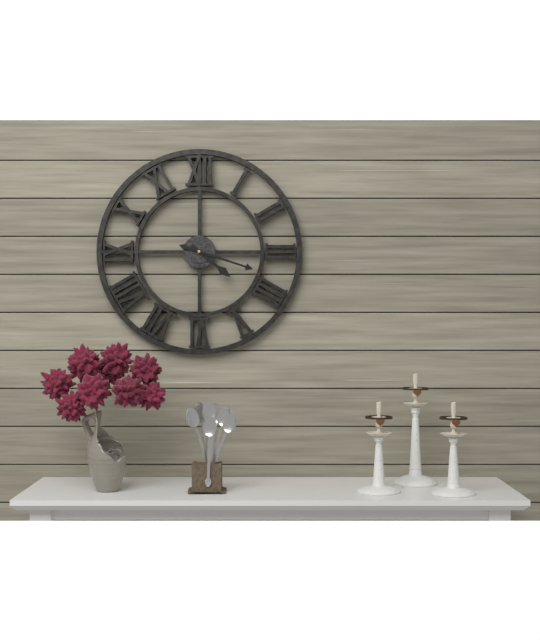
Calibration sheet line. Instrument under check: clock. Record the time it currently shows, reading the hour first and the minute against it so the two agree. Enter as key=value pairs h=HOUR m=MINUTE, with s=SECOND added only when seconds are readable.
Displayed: h=4 m=18
